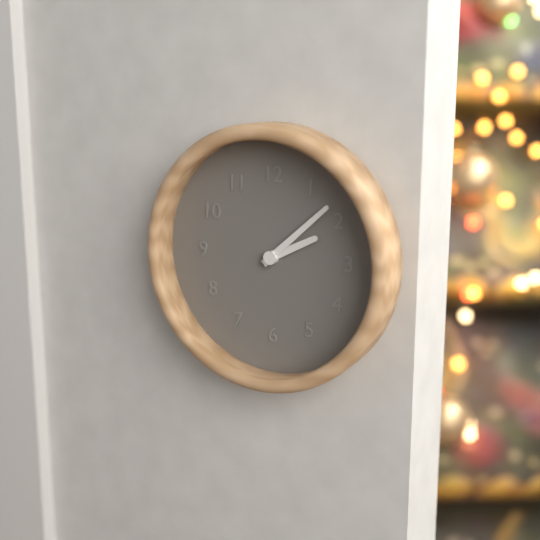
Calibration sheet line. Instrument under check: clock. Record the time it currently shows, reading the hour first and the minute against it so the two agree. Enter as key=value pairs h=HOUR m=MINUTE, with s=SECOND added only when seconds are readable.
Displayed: h=2 m=8
